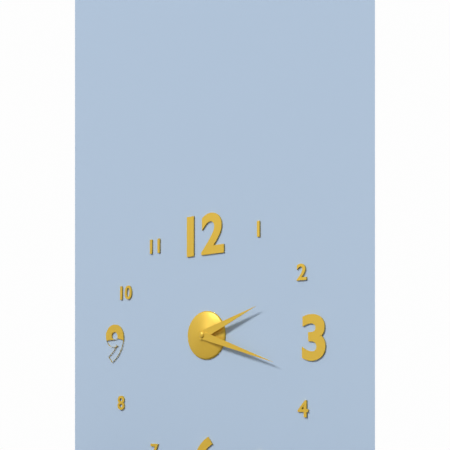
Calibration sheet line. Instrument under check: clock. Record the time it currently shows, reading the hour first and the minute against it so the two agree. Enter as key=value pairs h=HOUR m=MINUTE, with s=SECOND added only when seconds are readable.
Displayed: h=2 m=18
